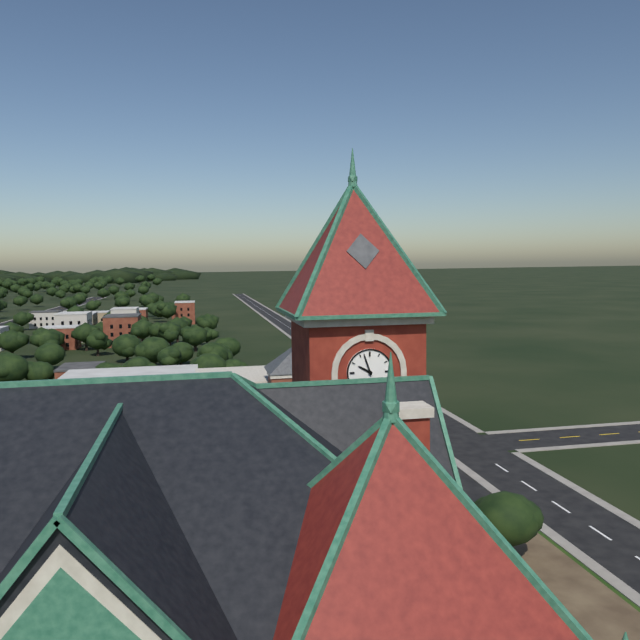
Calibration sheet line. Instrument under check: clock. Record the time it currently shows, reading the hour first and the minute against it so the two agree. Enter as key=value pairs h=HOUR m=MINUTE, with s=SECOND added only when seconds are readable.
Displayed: h=9 m=57
